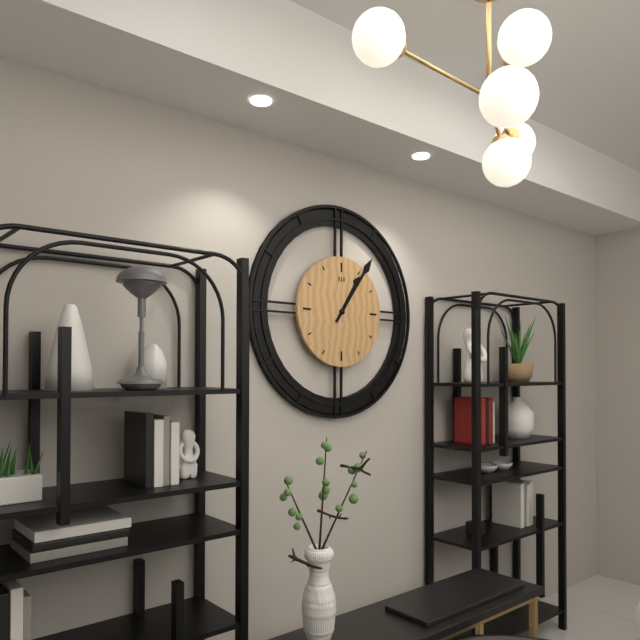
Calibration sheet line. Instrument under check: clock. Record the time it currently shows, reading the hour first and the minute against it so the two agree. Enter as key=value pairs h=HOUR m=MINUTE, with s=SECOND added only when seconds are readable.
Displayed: h=1 m=6
